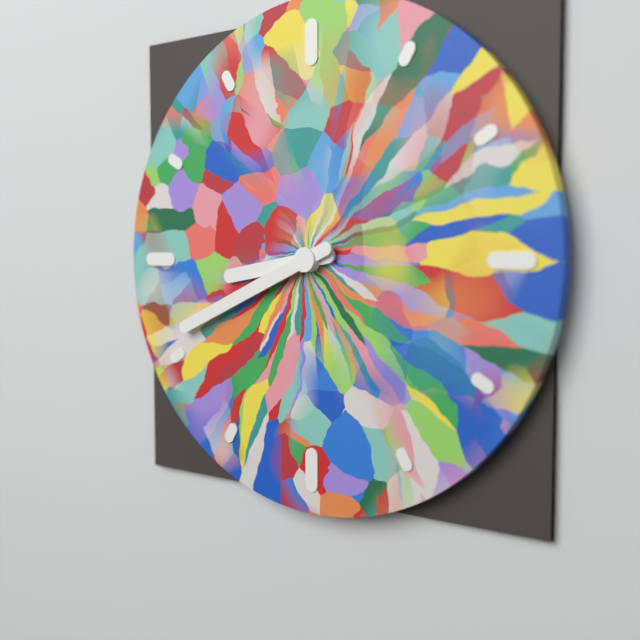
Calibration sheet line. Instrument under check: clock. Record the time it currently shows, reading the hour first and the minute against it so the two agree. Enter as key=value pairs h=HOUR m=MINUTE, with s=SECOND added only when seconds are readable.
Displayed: h=8 m=41
